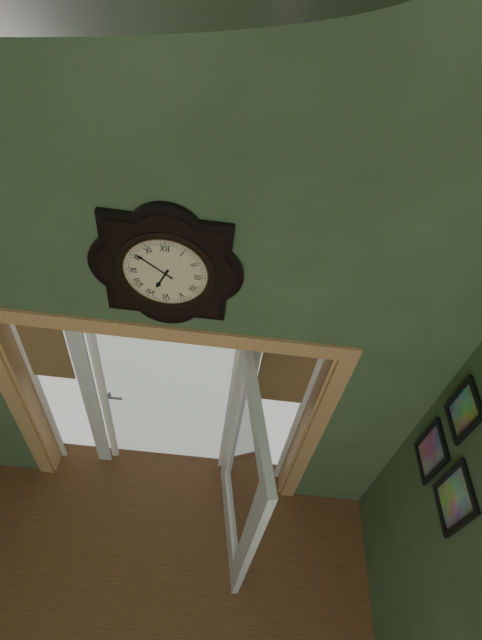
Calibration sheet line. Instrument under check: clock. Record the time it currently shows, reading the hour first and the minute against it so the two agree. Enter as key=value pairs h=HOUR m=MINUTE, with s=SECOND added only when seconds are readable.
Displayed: h=6 m=51
